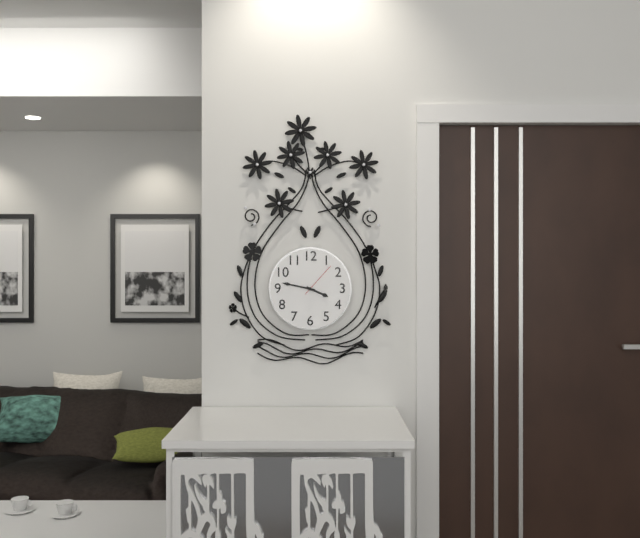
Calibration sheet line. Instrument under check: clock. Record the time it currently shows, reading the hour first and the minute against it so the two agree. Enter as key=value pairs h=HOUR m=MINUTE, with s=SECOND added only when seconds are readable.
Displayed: h=3 m=47
